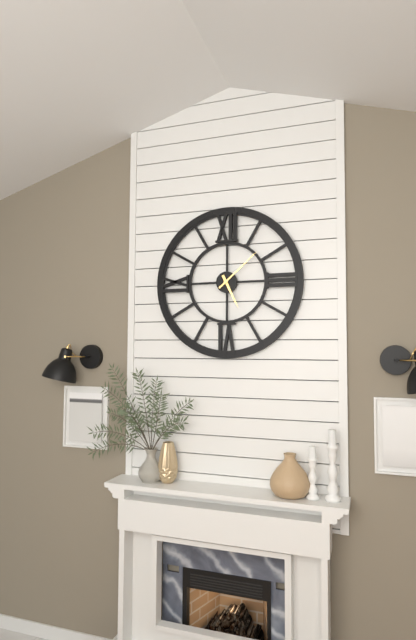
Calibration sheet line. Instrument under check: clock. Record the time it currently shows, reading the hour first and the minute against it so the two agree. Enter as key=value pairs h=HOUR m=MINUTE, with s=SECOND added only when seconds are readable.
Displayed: h=5 m=8
